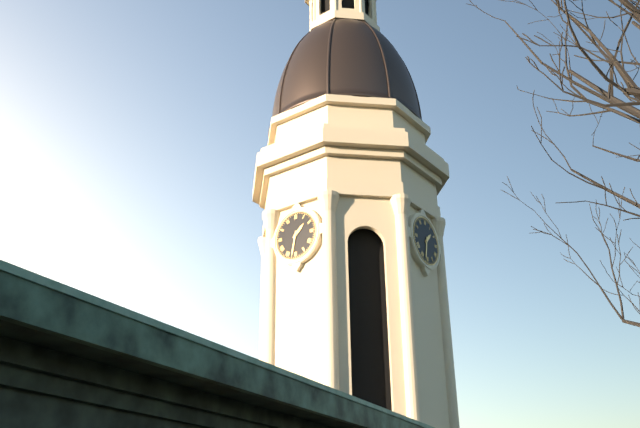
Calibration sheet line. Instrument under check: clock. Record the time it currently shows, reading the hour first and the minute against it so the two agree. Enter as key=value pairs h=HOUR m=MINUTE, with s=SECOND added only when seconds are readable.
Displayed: h=1 m=32
